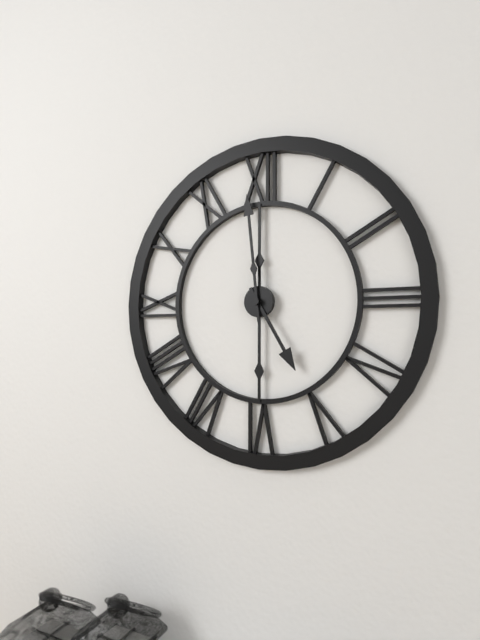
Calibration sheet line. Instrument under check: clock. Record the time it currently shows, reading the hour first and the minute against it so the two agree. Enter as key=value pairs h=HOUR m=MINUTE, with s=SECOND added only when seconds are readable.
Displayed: h=4 m=59
